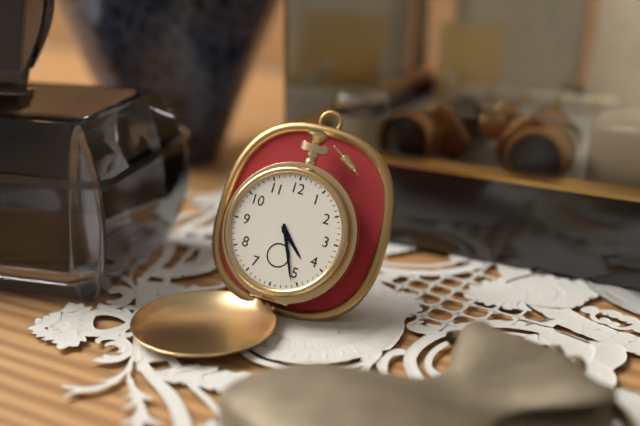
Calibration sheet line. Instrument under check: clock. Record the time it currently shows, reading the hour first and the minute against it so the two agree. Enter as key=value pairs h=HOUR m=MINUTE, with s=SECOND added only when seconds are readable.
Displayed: h=4 m=26
